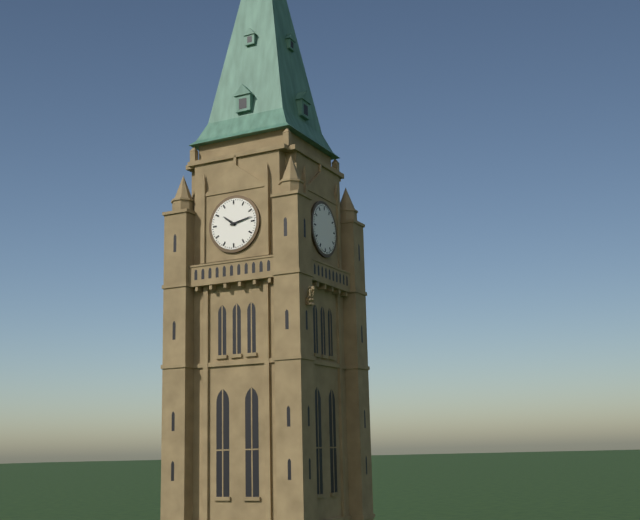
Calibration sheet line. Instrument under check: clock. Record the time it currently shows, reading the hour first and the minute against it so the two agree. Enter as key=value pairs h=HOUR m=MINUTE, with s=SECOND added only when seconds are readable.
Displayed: h=10 m=13
